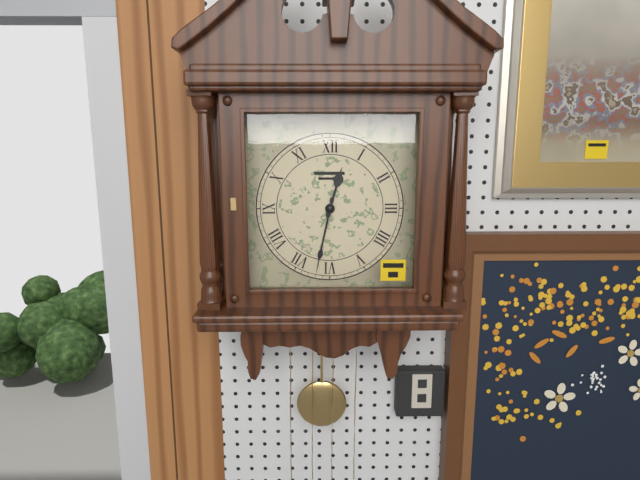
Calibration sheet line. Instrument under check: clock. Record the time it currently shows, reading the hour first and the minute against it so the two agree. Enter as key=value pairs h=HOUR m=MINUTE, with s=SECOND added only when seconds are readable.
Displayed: h=12 m=32
